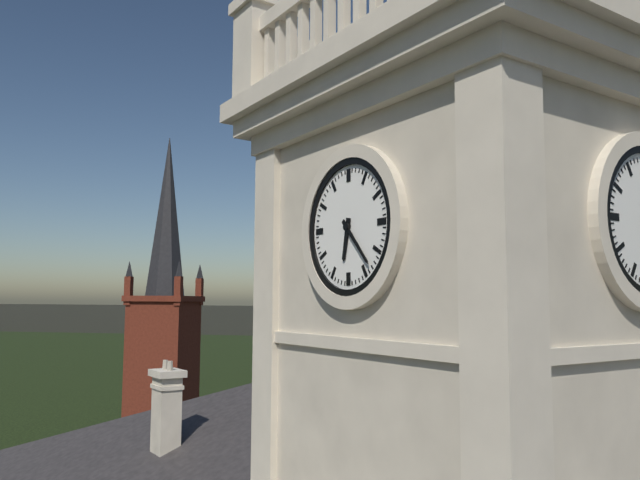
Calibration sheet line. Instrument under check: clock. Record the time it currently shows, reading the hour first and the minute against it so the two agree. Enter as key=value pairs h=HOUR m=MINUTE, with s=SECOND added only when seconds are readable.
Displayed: h=6 m=23
